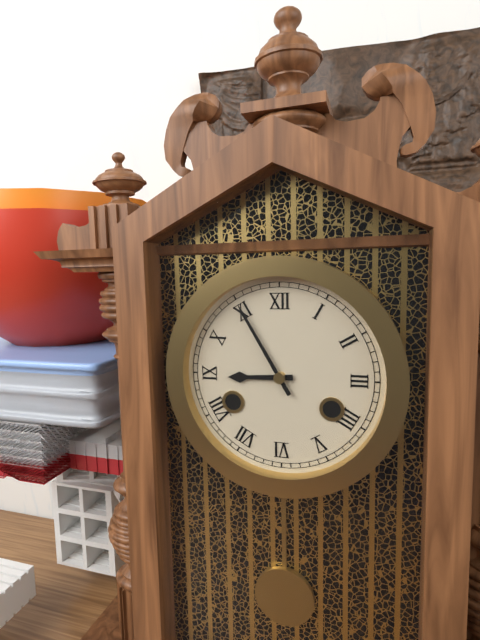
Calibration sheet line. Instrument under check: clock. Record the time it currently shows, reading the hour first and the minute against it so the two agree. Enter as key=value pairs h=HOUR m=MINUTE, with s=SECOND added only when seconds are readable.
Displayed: h=8 m=55
